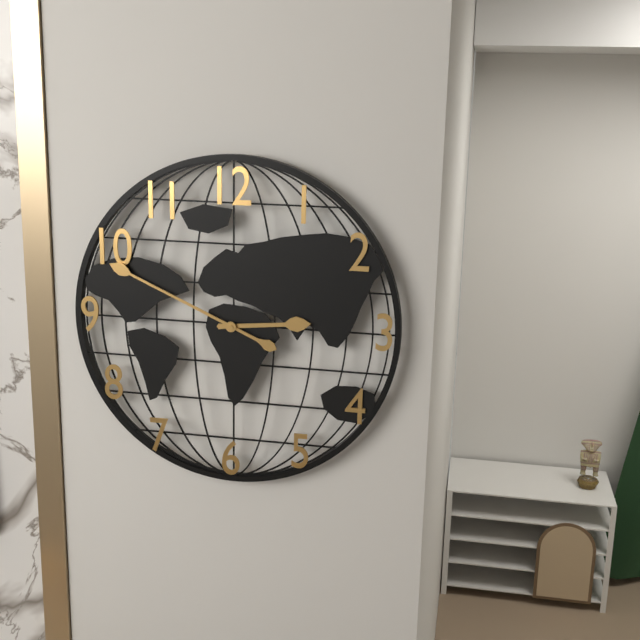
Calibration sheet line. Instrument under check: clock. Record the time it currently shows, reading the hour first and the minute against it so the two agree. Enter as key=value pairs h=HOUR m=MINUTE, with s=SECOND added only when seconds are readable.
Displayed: h=2 m=49
